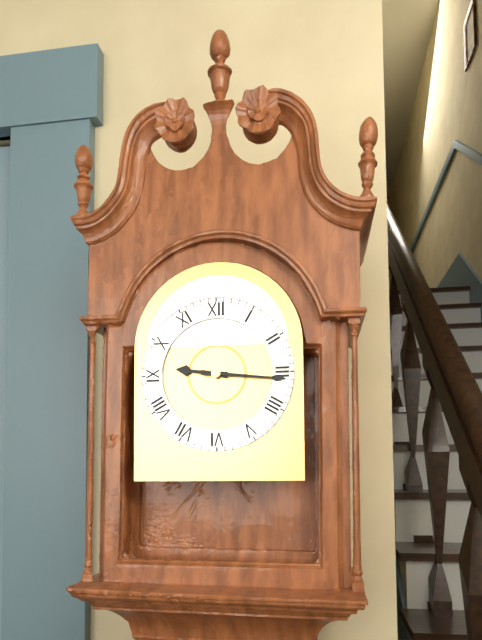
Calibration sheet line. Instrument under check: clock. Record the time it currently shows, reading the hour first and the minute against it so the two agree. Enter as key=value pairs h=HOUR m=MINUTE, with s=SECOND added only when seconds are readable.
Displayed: h=9 m=16
